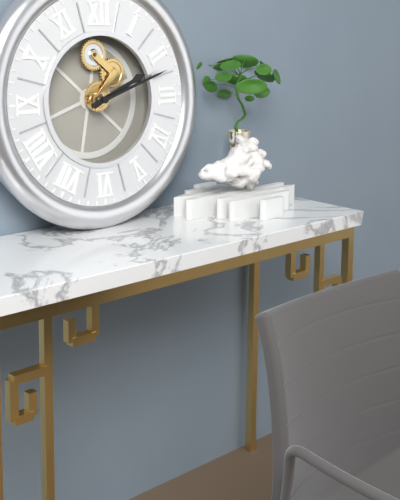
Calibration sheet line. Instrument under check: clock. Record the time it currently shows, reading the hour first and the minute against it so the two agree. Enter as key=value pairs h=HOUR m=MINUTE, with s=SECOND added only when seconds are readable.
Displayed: h=2 m=12
